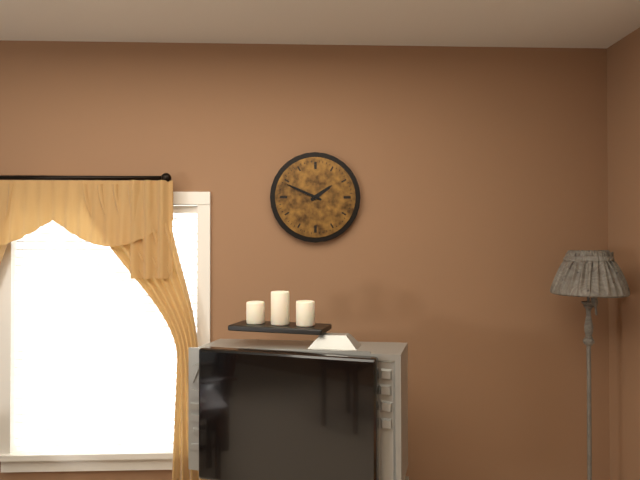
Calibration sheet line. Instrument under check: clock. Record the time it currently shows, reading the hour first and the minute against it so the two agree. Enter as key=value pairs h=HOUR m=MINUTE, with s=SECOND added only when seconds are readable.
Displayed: h=1 m=49
